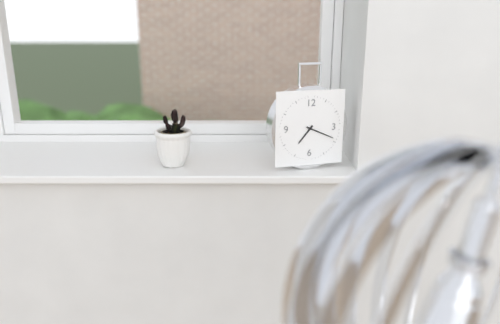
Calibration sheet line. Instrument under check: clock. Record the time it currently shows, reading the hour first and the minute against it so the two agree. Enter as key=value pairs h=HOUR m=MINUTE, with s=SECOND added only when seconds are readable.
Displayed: h=7 m=19
